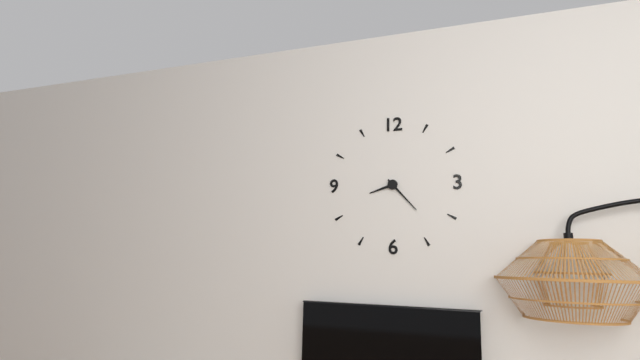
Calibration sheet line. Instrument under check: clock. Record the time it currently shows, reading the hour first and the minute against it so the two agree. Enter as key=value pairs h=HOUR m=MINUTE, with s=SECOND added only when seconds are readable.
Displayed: h=8 m=23
